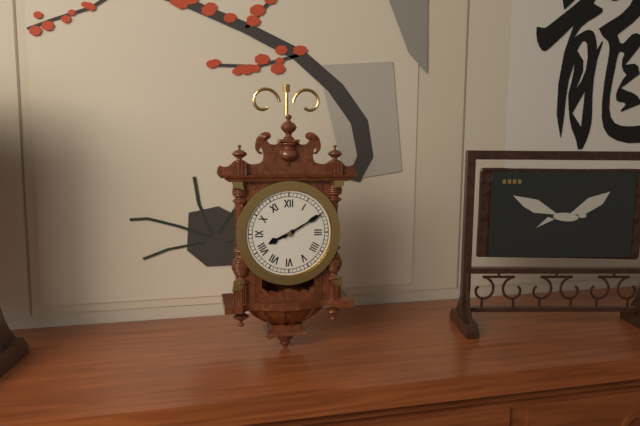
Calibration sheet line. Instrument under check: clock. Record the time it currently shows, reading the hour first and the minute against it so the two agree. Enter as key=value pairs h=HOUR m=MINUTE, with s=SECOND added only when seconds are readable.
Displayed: h=8 m=10
